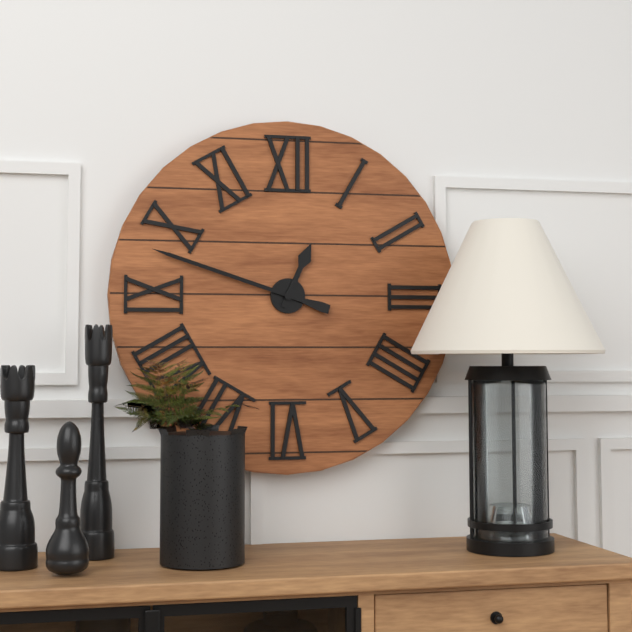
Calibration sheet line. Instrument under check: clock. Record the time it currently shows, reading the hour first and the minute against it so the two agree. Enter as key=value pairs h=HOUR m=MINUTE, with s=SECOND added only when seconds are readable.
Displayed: h=12 m=48
